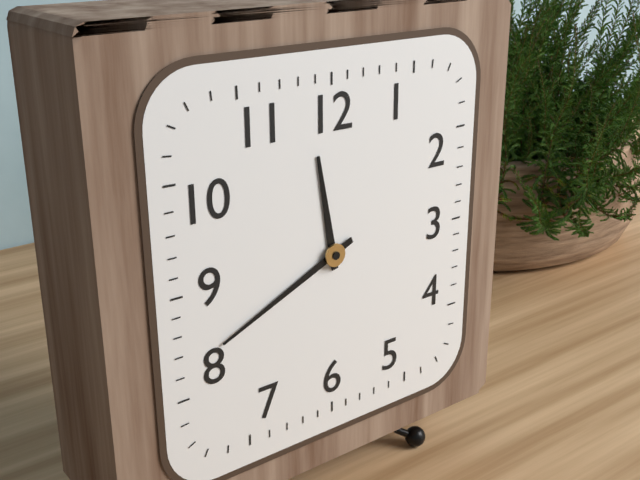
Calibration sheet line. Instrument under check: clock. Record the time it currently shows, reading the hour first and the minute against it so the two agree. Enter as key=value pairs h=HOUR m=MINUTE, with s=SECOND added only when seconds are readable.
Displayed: h=11 m=41
